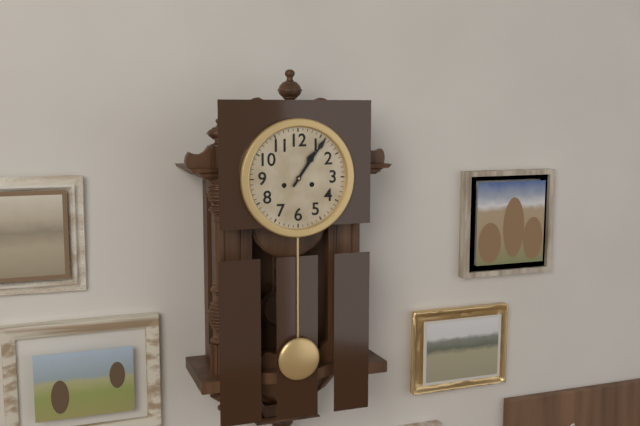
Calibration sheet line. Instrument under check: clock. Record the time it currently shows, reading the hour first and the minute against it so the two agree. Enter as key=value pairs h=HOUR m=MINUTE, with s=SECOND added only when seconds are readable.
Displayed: h=1 m=6
